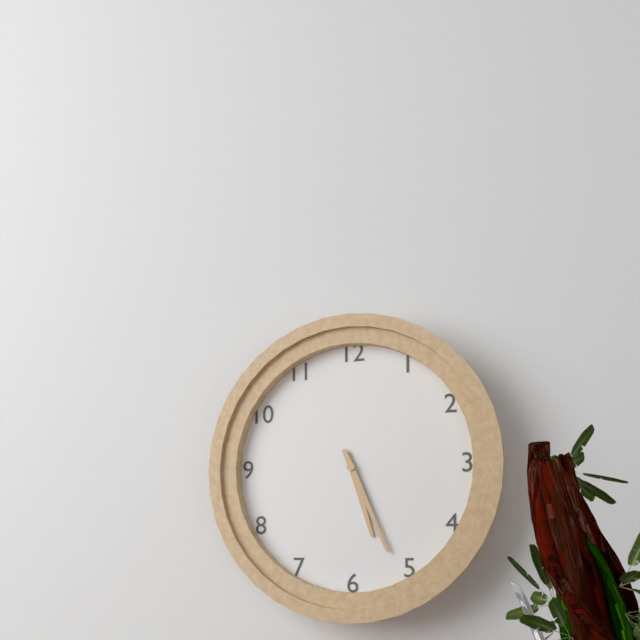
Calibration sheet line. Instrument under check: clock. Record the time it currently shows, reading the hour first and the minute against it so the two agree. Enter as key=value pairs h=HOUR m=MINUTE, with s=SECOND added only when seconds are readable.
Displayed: h=5 m=26
